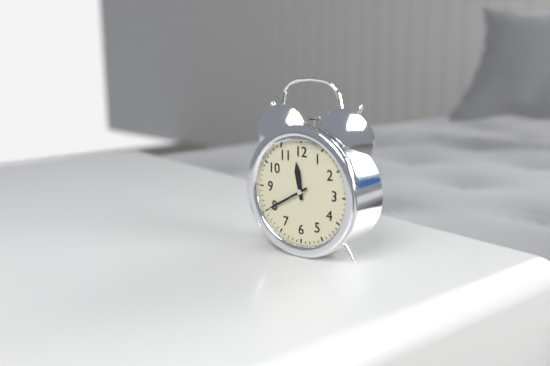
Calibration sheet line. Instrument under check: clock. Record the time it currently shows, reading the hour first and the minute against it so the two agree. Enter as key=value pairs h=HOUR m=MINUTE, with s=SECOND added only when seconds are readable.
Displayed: h=11 m=40
